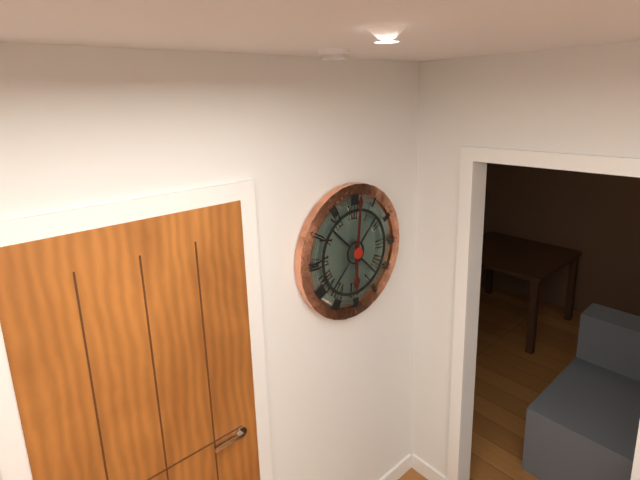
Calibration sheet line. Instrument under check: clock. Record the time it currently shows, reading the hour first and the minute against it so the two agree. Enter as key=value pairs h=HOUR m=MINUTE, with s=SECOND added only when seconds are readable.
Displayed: h=6 m=1
